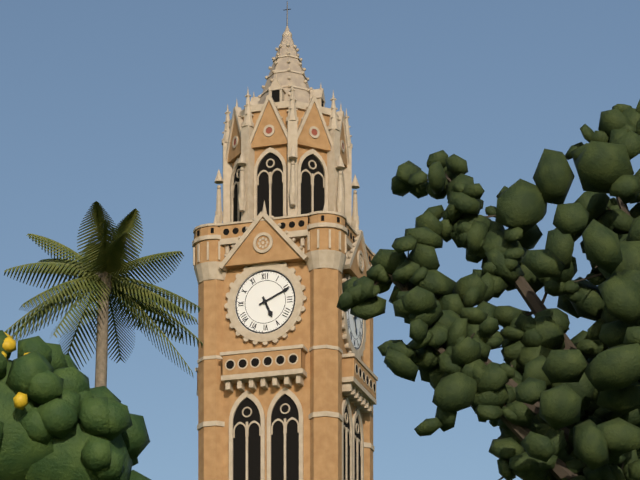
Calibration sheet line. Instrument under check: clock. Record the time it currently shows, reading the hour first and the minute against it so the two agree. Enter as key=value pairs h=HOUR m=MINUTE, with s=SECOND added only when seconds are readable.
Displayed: h=5 m=11
